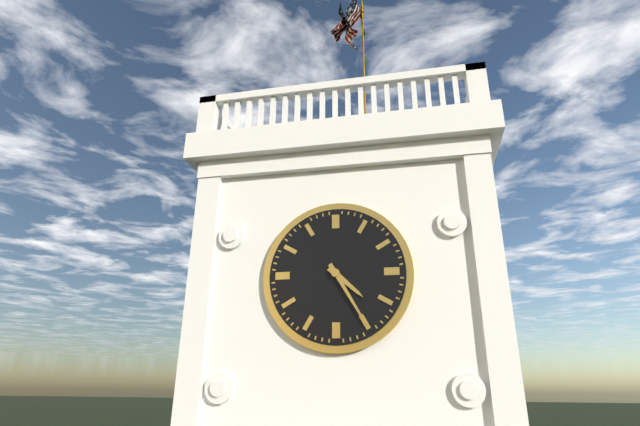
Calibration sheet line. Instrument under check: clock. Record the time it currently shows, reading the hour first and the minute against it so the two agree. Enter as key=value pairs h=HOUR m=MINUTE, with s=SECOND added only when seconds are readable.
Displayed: h=4 m=25
